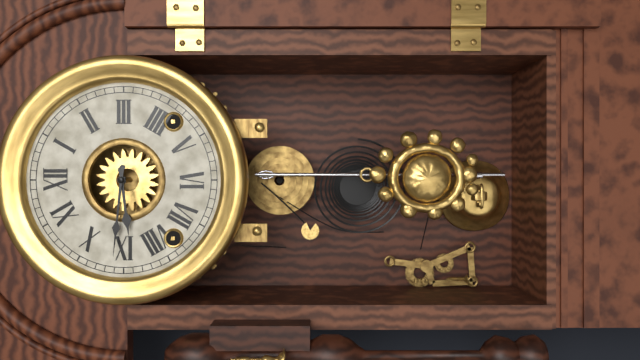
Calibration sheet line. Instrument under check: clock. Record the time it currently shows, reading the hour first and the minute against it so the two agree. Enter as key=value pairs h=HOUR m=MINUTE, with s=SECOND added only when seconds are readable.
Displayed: h=8 m=46
